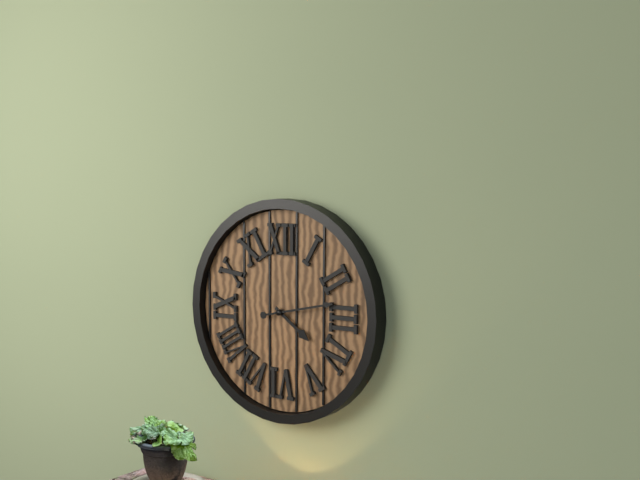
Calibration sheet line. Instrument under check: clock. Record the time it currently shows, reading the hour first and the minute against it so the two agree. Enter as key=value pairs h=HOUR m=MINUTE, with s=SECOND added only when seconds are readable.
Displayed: h=4 m=13
